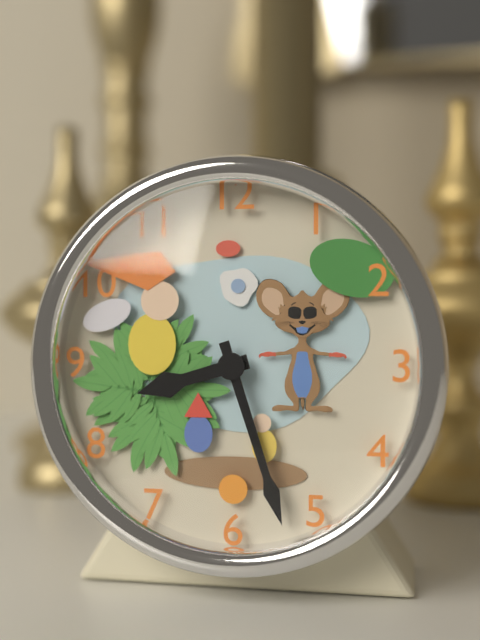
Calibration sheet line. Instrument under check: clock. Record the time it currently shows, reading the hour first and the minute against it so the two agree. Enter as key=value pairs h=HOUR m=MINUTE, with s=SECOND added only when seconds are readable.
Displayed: h=8 m=27
